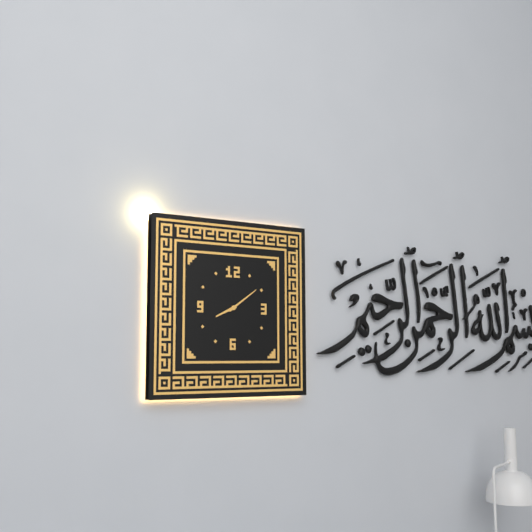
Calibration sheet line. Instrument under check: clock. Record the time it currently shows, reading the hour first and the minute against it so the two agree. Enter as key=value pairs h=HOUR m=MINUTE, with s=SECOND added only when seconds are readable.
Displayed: h=8 m=9
